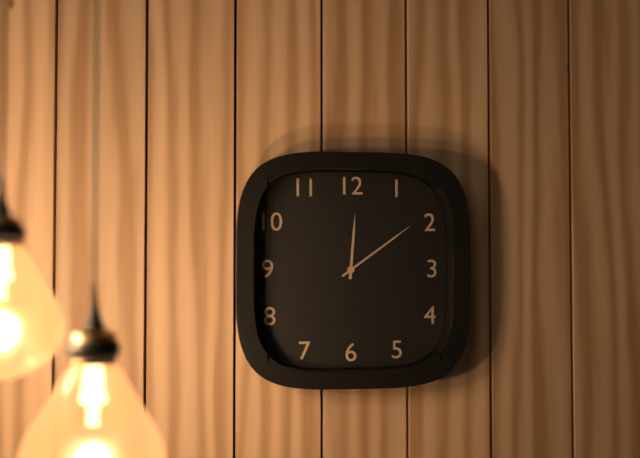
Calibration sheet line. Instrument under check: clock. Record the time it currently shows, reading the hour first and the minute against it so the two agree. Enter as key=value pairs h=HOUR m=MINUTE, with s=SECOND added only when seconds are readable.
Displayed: h=12 m=9
